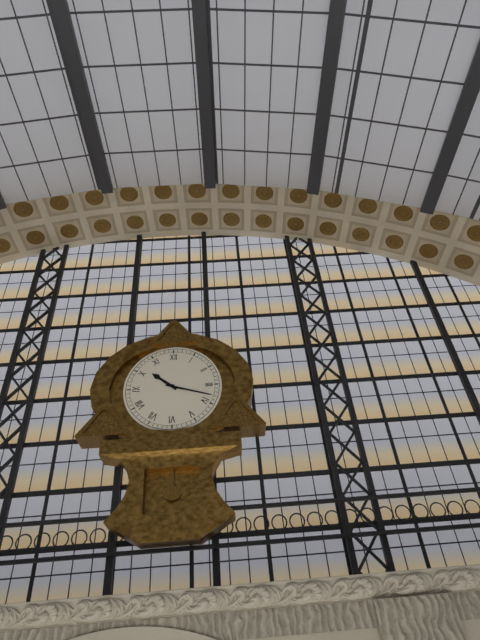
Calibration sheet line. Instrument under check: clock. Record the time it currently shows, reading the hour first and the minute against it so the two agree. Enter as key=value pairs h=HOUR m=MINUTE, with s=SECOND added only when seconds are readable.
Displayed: h=10 m=18
